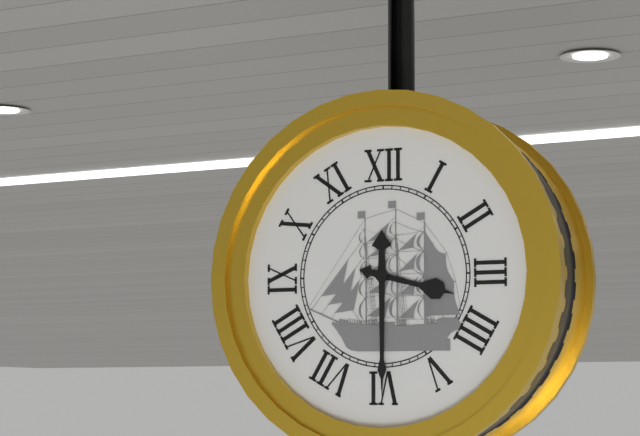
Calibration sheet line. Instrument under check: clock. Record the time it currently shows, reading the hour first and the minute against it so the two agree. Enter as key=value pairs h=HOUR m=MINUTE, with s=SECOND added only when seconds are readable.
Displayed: h=3 m=30
